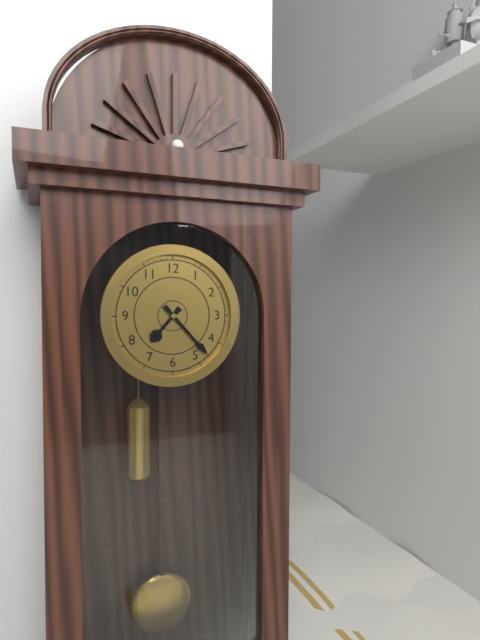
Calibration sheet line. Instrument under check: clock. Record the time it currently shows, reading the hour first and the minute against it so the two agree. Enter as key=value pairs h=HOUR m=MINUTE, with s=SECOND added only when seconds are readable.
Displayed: h=7 m=23
